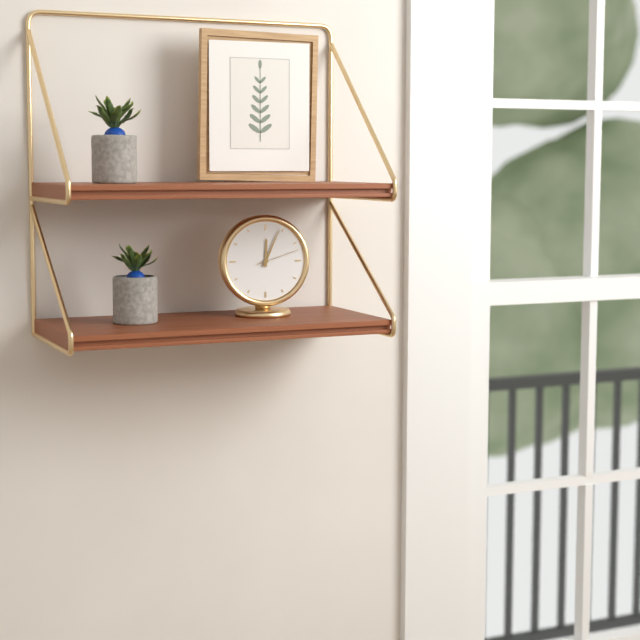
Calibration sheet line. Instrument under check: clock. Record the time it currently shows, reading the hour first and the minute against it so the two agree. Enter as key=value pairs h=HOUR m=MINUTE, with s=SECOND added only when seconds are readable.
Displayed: h=12 m=4
